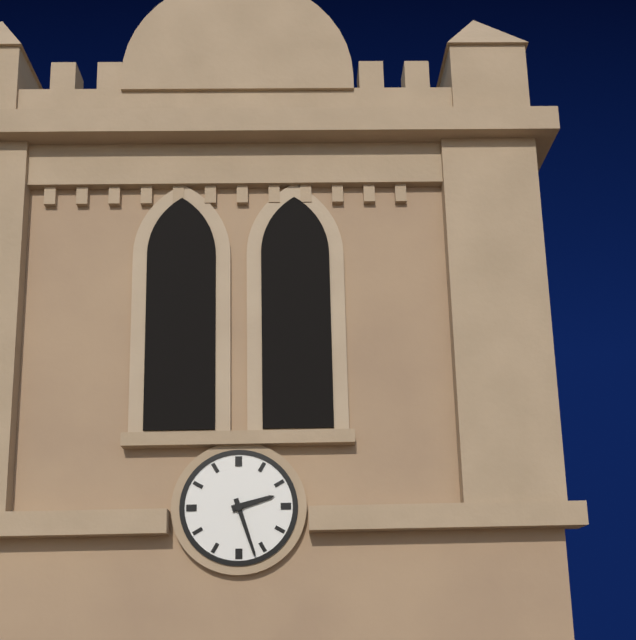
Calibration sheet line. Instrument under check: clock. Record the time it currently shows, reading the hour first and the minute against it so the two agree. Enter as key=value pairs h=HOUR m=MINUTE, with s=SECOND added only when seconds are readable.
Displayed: h=2 m=27
